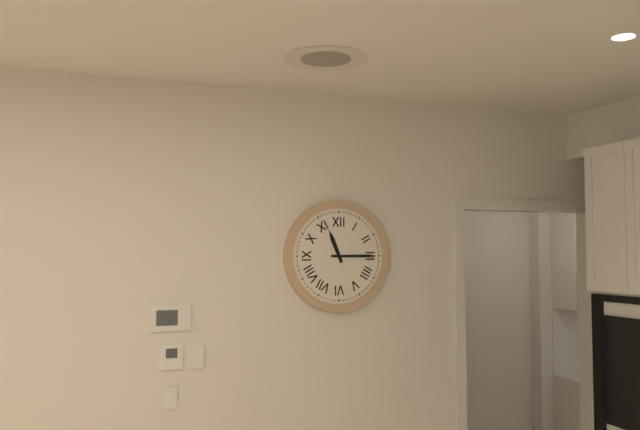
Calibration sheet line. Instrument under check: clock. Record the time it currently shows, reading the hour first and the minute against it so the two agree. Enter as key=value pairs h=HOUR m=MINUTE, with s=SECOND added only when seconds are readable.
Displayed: h=11 m=15
